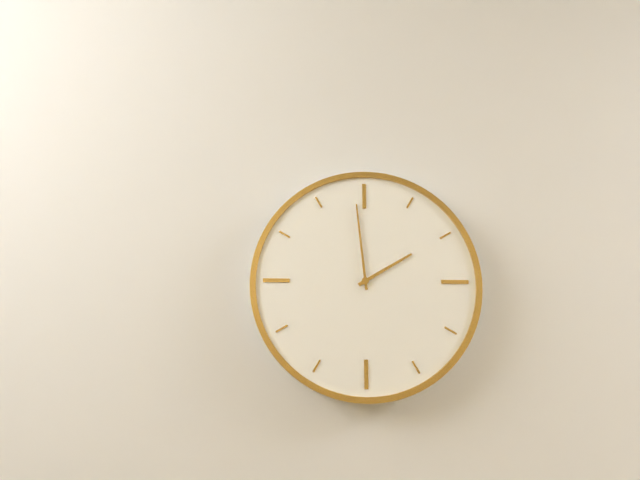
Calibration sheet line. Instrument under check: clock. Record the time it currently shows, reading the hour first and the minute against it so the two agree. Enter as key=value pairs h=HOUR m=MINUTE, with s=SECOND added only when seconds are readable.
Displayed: h=1 m=59
